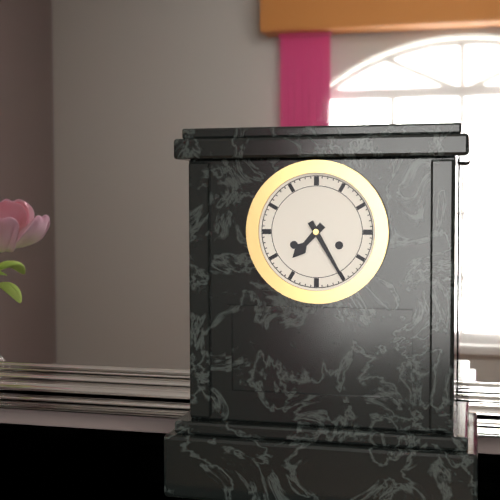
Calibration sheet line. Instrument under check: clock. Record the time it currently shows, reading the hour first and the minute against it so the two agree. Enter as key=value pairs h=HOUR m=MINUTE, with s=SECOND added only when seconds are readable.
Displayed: h=7 m=25
